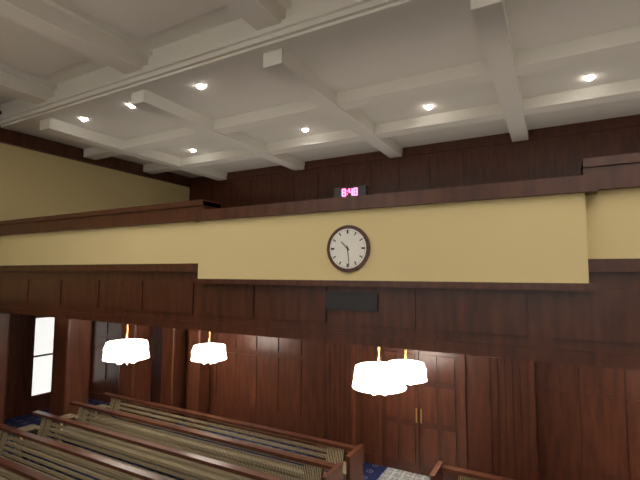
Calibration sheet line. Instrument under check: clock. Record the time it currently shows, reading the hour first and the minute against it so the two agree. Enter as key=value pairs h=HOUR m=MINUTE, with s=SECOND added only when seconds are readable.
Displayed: h=10 m=29
